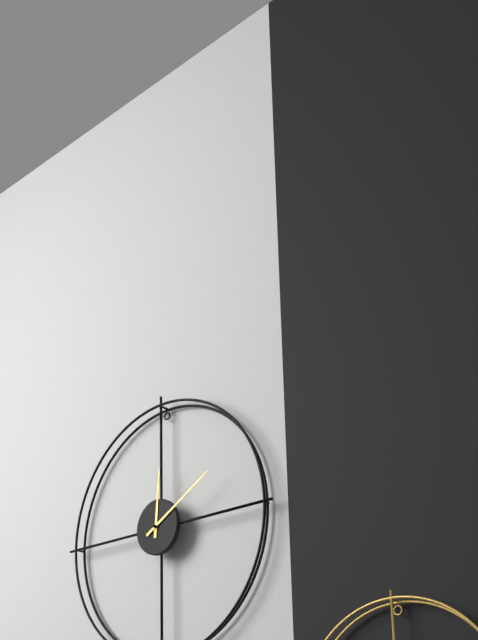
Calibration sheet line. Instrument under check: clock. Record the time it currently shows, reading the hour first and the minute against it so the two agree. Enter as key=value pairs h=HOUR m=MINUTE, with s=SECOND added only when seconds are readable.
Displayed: h=12 m=10
